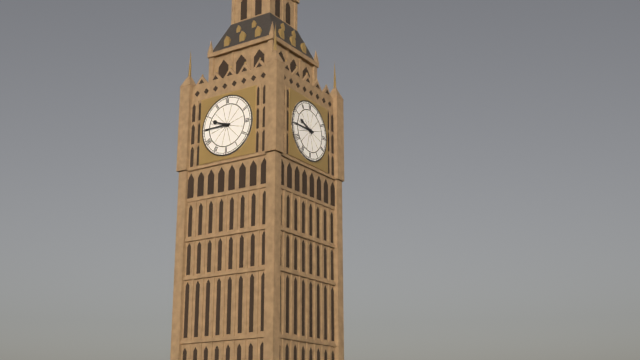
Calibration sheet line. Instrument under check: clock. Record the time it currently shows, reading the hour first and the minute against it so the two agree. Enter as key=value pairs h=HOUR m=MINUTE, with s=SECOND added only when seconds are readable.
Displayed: h=9 m=45
